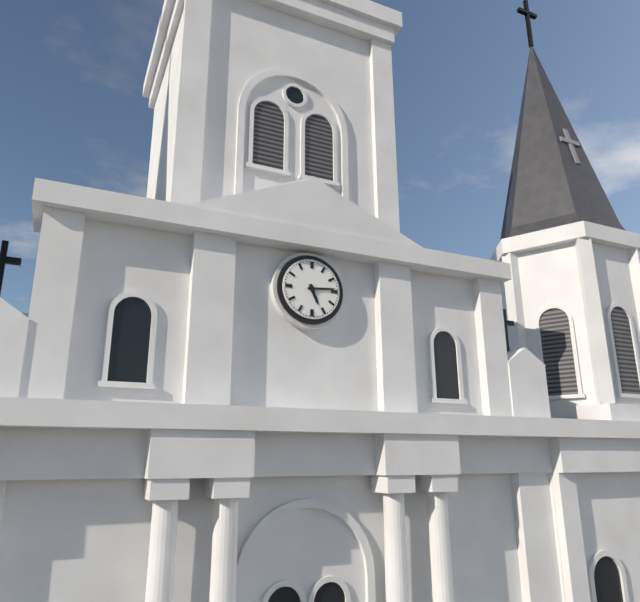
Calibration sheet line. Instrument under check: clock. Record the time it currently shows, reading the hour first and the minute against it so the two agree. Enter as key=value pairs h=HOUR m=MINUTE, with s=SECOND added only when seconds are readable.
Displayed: h=5 m=14
